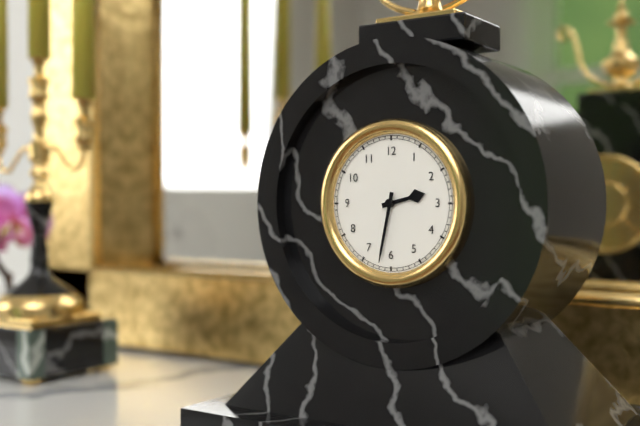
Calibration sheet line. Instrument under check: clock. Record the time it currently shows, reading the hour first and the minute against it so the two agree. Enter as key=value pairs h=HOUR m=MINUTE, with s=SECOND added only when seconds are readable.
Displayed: h=2 m=32
